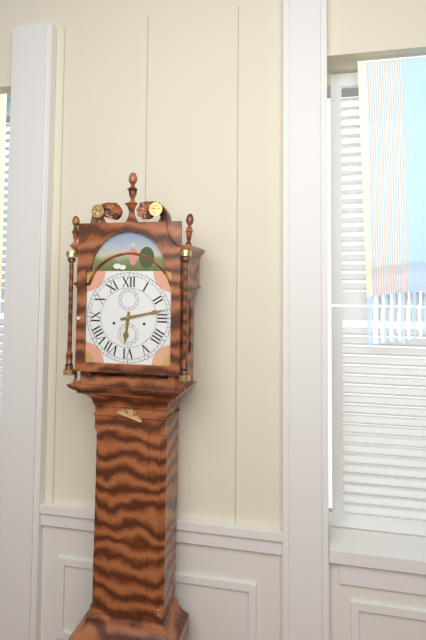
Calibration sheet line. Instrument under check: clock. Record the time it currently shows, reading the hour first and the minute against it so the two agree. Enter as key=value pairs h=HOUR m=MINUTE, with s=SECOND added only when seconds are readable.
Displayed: h=6 m=13
